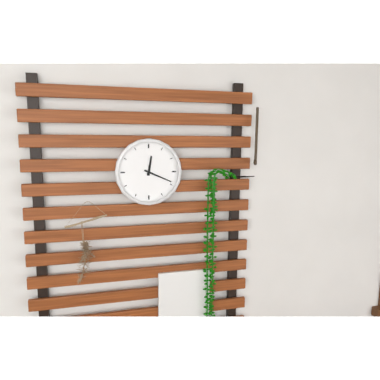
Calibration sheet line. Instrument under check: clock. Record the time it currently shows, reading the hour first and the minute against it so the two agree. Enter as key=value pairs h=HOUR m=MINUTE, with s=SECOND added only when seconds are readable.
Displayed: h=12 m=19
